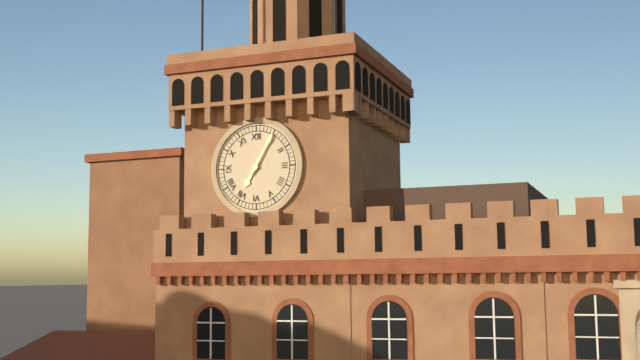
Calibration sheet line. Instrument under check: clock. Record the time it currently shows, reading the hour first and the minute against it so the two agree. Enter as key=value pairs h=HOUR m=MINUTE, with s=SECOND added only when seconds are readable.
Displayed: h=7 m=5
